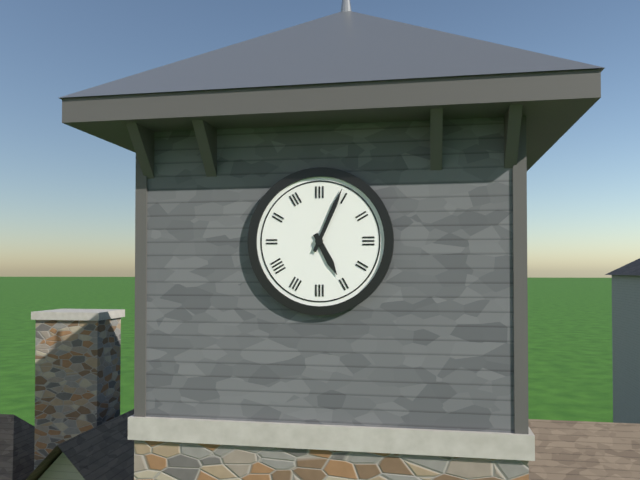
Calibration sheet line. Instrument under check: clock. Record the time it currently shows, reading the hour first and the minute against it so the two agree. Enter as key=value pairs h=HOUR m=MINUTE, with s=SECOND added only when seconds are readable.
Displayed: h=5 m=4
